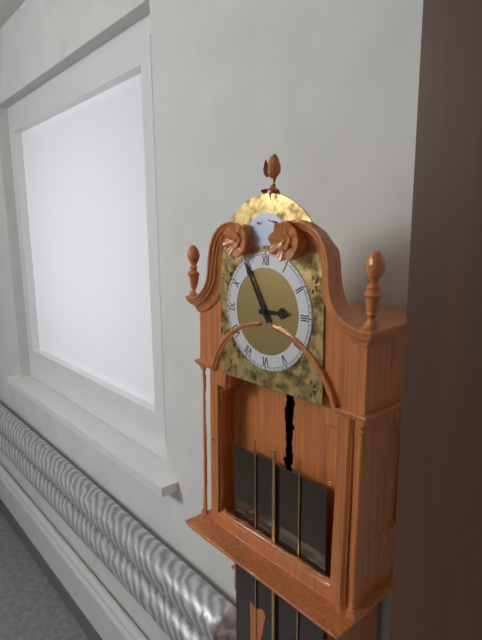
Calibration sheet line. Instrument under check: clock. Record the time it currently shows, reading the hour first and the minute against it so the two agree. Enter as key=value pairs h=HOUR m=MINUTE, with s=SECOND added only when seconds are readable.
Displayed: h=2 m=55
